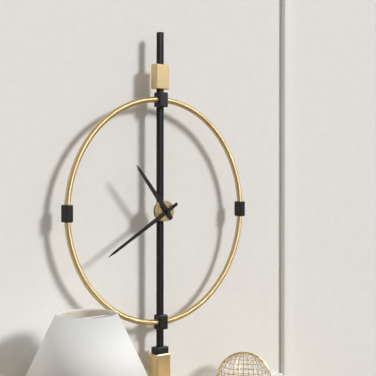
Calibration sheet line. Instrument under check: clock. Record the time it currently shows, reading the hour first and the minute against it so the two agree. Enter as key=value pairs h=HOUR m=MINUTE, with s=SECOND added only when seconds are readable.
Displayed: h=10 m=40
